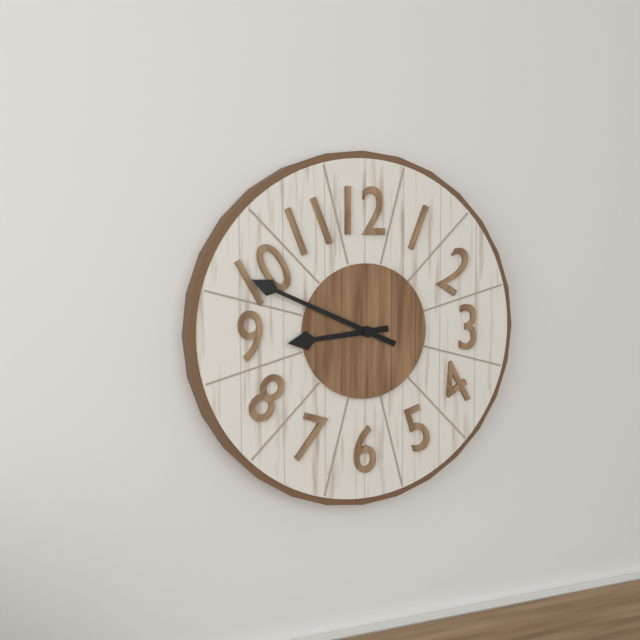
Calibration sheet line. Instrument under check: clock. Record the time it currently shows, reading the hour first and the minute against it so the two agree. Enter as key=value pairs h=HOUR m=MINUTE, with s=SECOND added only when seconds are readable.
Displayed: h=8 m=49
